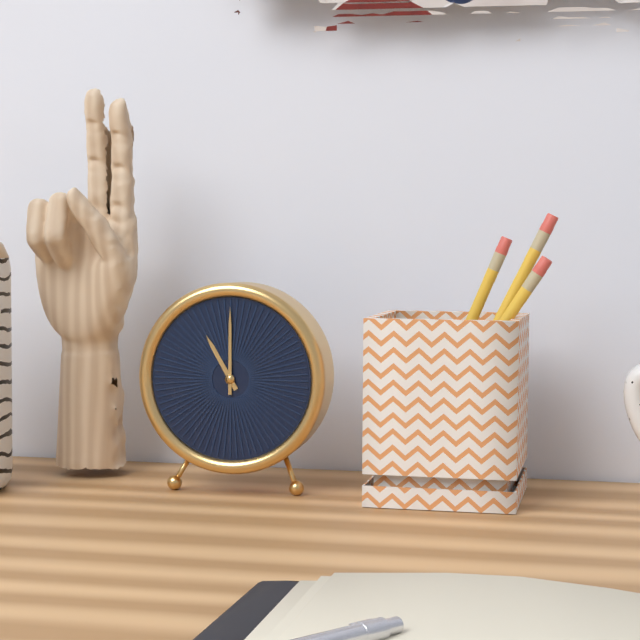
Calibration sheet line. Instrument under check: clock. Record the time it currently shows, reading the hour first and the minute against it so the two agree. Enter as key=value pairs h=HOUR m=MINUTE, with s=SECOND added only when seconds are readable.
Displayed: h=11 m=0
